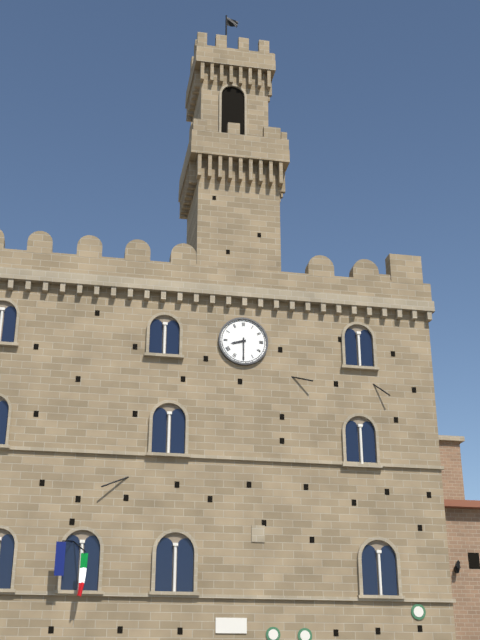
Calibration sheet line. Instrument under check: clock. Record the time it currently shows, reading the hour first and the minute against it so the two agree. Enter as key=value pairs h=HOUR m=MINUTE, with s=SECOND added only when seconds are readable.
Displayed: h=8 m=30
